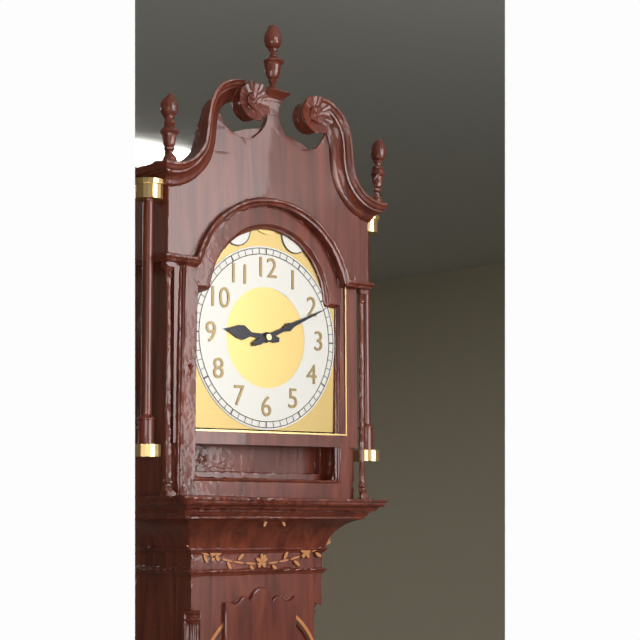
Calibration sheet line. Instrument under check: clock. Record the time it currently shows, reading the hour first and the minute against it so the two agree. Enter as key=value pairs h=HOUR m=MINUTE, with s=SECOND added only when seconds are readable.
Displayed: h=9 m=11
